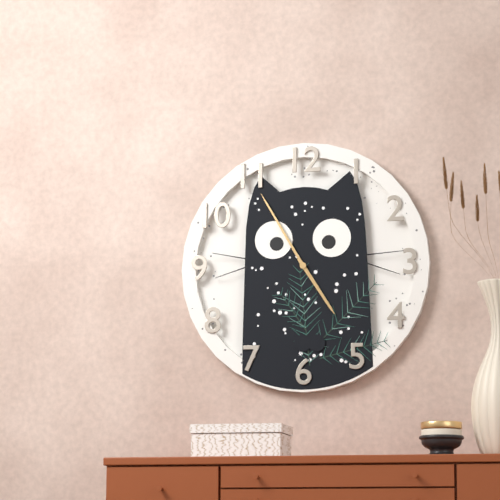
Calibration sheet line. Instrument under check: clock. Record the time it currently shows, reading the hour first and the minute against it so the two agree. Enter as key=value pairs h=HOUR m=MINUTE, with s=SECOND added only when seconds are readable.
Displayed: h=4 m=55
